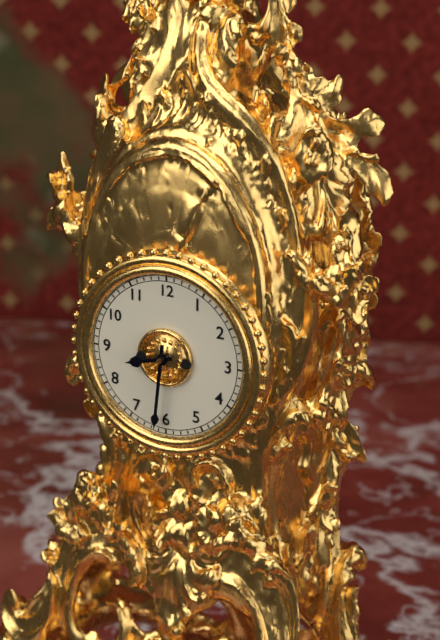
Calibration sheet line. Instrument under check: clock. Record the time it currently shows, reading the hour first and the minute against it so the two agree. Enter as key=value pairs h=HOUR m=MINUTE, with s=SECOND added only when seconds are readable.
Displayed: h=8 m=31
